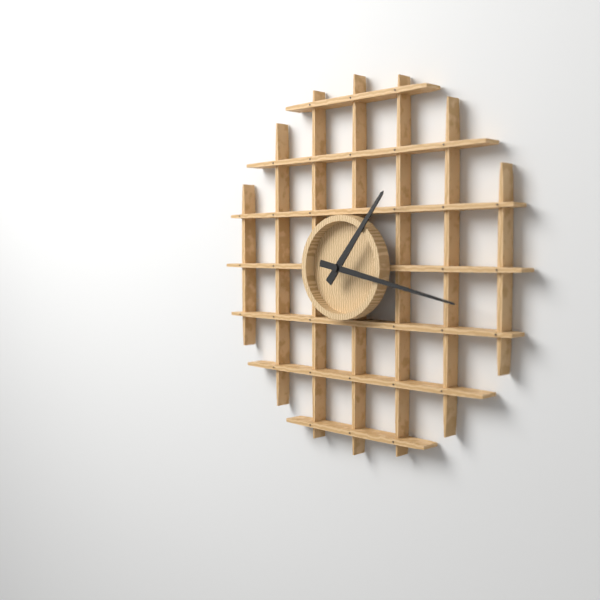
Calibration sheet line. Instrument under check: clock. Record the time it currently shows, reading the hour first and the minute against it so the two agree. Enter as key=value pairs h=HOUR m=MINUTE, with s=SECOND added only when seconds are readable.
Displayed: h=1 m=17
